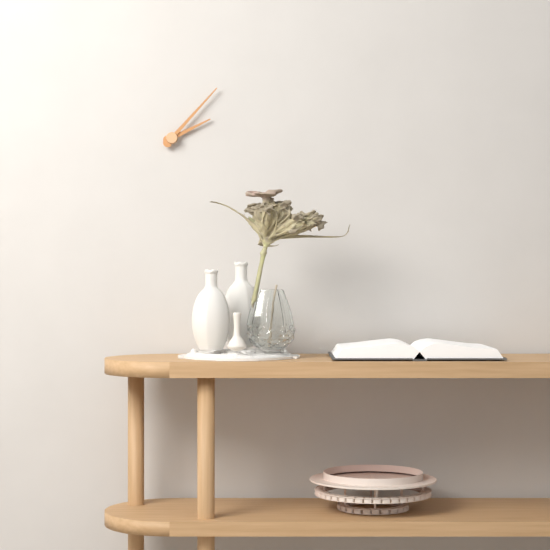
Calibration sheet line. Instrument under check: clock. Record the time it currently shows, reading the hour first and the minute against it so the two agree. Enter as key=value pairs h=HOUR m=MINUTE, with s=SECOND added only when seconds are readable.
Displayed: h=2 m=7
